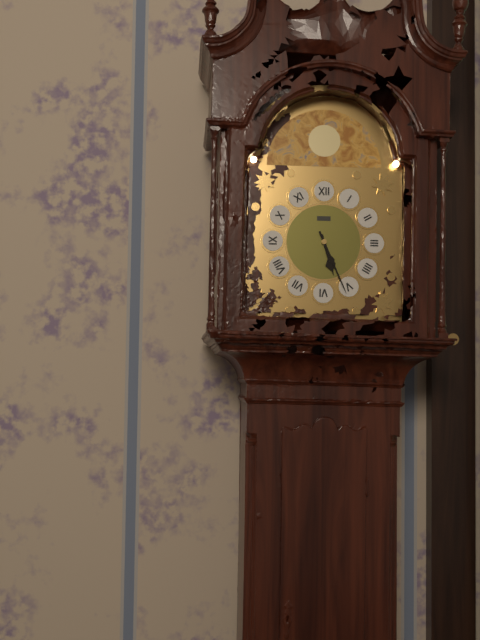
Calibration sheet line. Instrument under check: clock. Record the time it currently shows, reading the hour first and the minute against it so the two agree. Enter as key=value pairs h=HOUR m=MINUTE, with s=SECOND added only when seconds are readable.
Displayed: h=5 m=26
